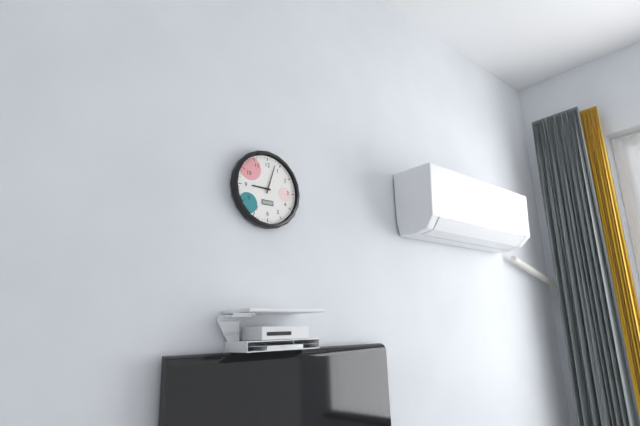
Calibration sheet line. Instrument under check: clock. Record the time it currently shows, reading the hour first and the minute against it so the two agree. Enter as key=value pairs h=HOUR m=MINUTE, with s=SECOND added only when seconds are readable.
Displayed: h=9 m=3
